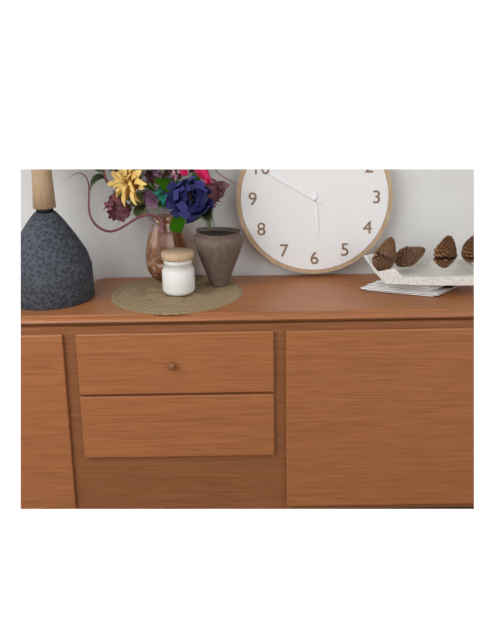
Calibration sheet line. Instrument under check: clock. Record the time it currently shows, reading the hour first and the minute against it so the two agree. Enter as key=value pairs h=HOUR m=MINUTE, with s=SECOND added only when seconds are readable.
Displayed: h=5 m=50
